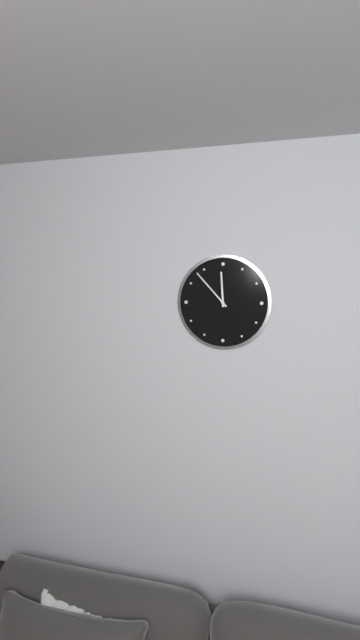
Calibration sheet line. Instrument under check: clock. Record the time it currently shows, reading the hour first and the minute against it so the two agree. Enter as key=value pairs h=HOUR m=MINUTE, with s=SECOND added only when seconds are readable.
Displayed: h=11 m=53
